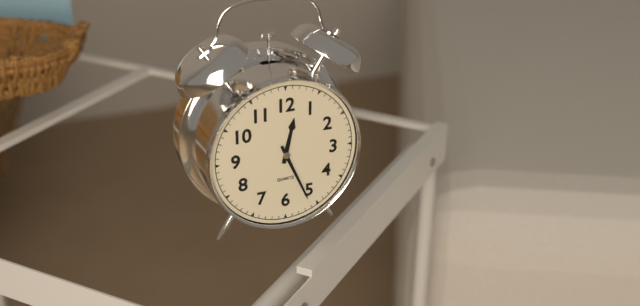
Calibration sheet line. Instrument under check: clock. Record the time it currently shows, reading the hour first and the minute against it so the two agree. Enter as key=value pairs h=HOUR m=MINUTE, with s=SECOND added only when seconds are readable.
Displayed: h=12 m=26
